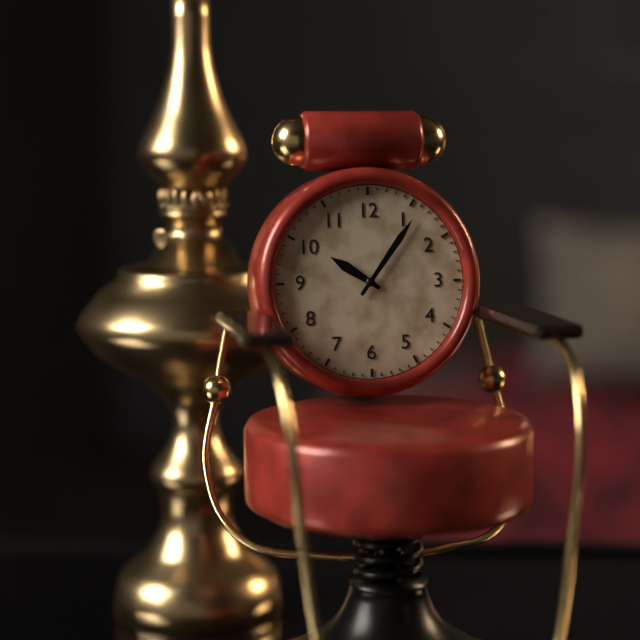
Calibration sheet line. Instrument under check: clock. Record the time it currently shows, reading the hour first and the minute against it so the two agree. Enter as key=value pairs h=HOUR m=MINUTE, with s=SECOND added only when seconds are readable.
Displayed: h=10 m=6
